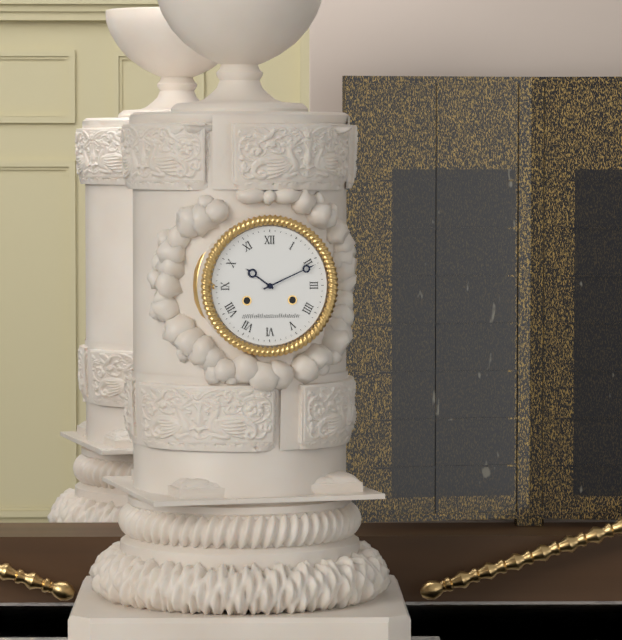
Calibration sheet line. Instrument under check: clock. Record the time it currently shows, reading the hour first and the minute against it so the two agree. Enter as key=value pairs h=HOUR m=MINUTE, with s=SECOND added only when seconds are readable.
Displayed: h=10 m=11
